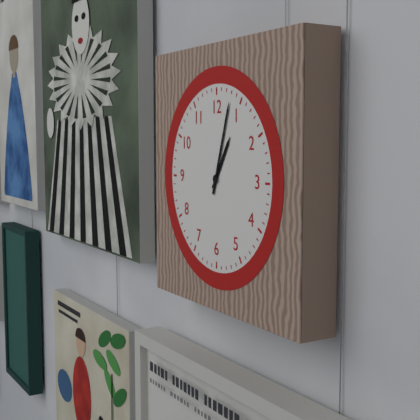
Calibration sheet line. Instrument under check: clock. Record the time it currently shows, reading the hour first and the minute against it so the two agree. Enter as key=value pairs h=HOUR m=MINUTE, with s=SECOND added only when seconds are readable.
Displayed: h=1 m=3
